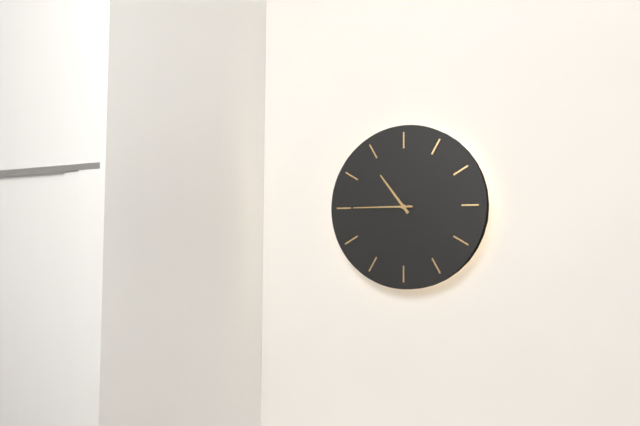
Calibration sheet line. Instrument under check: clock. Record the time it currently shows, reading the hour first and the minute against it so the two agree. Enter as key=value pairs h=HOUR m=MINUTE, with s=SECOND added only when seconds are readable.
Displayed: h=10 m=45
